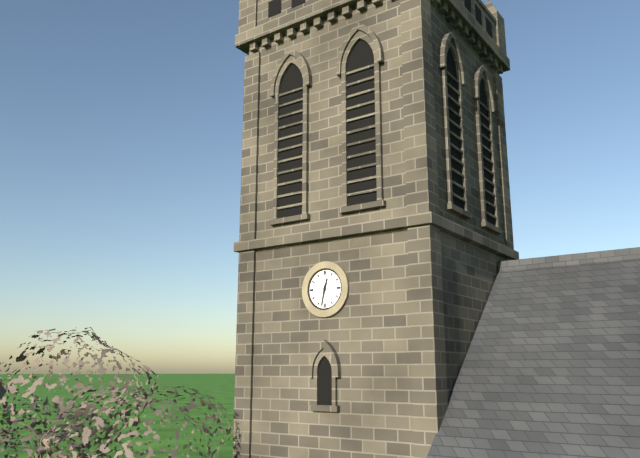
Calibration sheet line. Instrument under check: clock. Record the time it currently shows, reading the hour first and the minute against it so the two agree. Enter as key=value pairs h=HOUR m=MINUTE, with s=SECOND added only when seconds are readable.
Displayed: h=12 m=32
